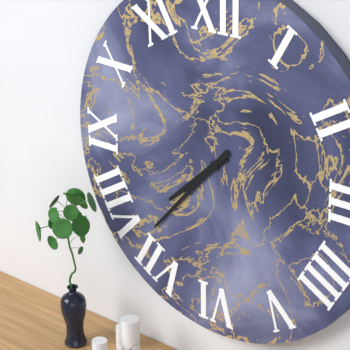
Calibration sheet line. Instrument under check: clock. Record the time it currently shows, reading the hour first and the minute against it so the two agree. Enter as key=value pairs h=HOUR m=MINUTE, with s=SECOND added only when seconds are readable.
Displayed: h=7 m=37
